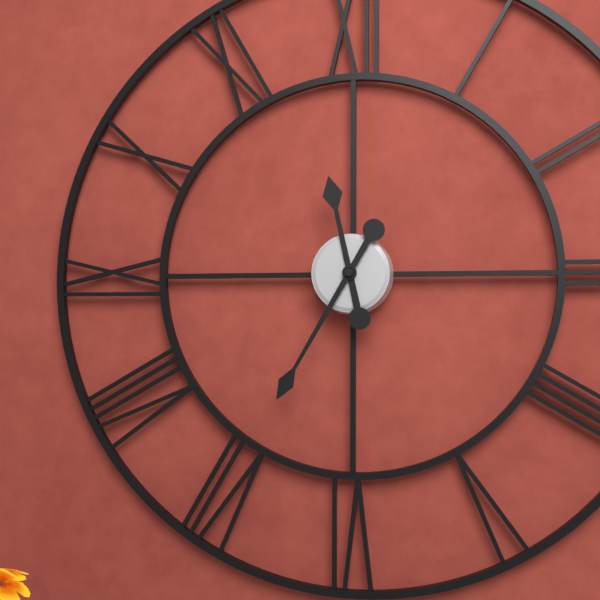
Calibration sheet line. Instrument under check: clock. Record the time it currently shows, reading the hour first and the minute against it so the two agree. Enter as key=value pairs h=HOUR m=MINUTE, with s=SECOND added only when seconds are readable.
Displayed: h=11 m=35
